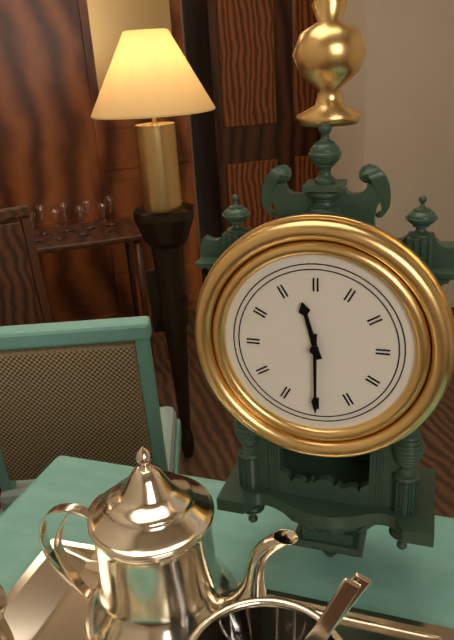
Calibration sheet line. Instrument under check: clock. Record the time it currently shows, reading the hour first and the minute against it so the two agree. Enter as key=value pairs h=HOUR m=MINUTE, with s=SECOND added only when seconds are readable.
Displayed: h=11 m=30
